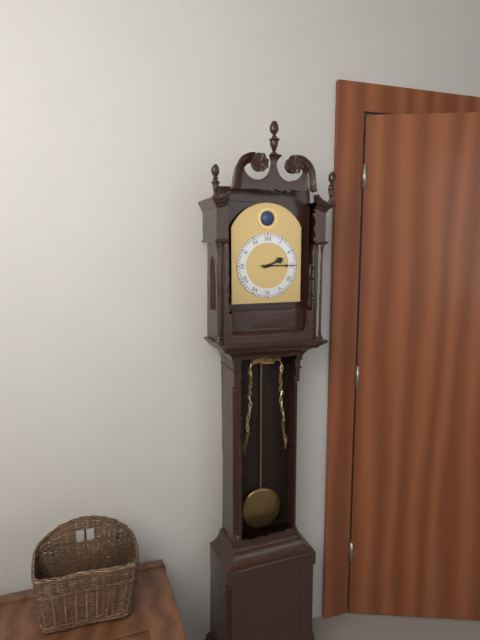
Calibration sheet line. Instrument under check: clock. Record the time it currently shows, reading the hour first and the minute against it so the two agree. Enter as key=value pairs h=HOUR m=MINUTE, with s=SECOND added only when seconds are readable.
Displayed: h=2 m=15
